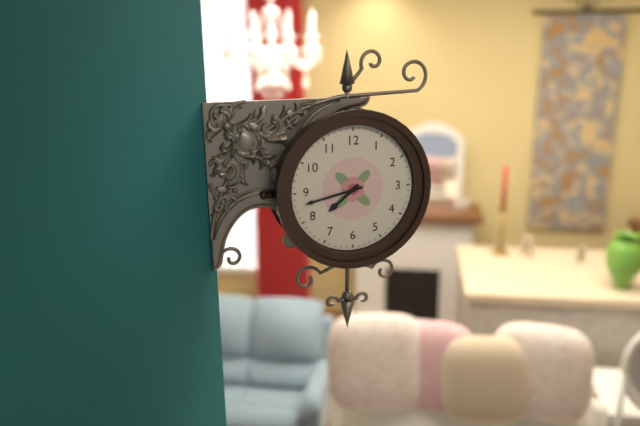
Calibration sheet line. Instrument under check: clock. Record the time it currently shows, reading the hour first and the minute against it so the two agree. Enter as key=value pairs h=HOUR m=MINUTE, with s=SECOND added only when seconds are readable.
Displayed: h=7 m=43
